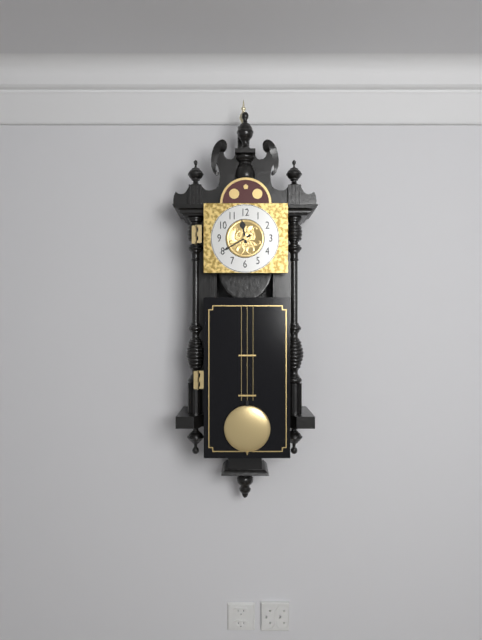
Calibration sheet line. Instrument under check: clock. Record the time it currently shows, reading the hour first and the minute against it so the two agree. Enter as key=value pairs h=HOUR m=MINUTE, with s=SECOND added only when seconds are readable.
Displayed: h=11 m=40
